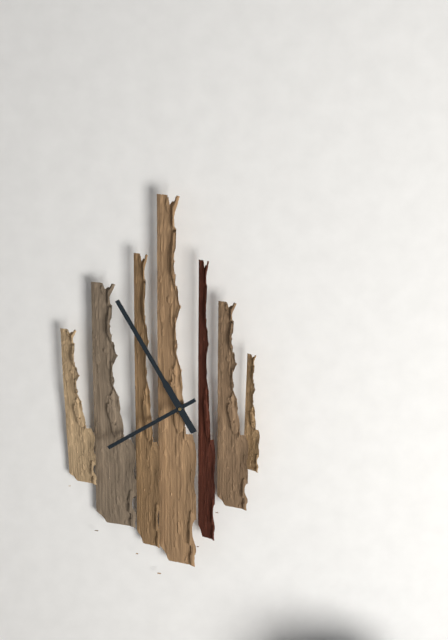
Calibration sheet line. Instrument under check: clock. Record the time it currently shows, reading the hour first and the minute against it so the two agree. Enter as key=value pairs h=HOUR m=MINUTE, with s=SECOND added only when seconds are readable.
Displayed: h=7 m=55
